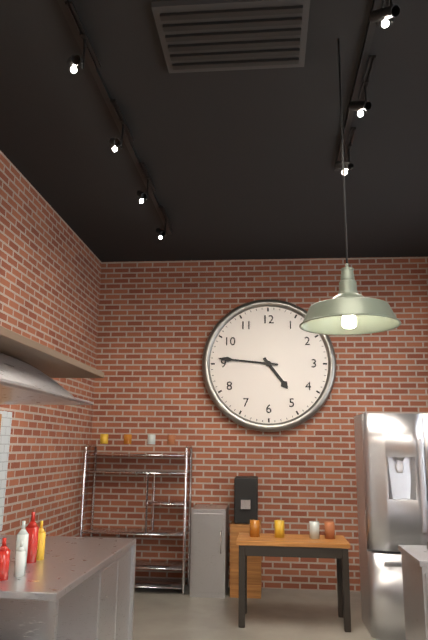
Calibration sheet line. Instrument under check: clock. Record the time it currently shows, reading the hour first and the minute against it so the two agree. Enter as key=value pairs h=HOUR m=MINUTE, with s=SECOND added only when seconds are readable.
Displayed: h=4 m=46
